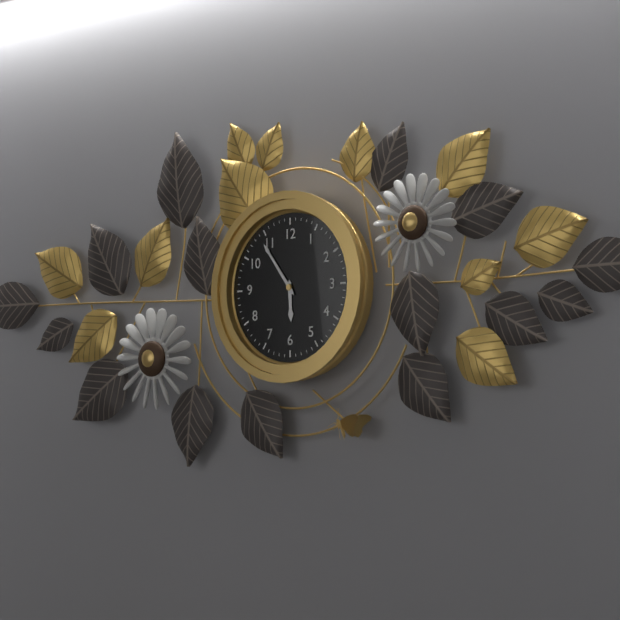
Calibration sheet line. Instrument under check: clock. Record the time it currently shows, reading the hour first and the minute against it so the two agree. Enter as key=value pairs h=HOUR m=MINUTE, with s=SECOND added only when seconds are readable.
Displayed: h=5 m=54
